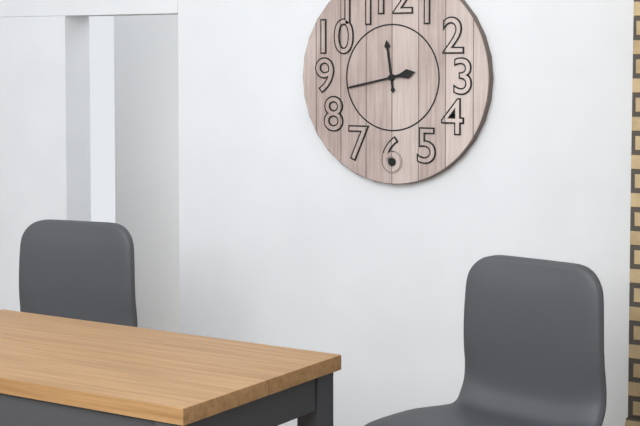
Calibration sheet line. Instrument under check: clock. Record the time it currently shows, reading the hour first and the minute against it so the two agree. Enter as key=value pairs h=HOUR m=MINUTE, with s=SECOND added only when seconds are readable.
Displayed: h=11 m=43
